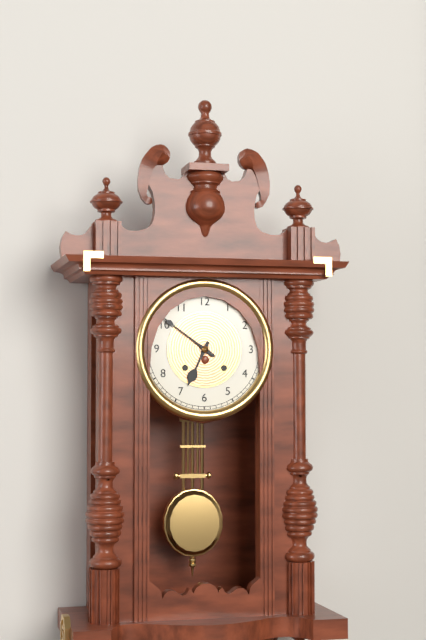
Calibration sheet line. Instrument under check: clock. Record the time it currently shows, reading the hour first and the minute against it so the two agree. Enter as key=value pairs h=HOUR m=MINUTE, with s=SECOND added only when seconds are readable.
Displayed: h=6 m=51
